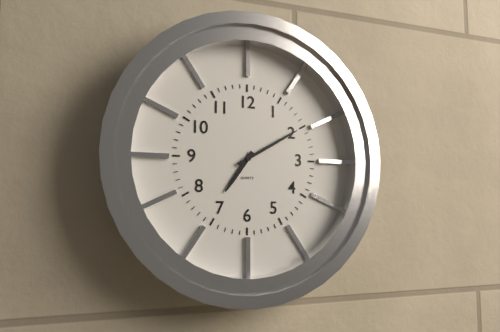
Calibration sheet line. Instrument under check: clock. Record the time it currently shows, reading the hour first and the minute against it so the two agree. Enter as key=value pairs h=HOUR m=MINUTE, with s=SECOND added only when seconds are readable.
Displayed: h=7 m=10
